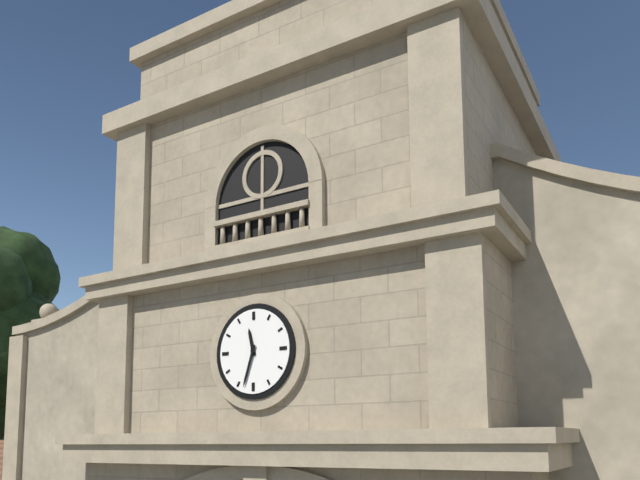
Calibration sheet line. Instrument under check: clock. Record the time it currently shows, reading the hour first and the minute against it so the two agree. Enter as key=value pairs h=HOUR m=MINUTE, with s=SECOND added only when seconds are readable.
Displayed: h=11 m=33
